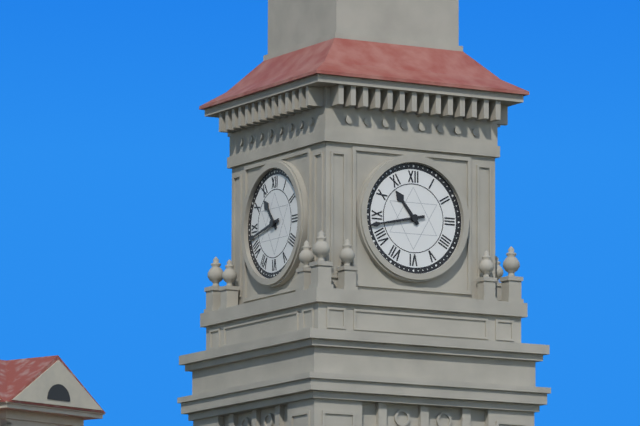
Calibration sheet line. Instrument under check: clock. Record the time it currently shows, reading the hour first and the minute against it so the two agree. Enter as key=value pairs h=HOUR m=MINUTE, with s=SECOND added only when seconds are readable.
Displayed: h=10 m=43
